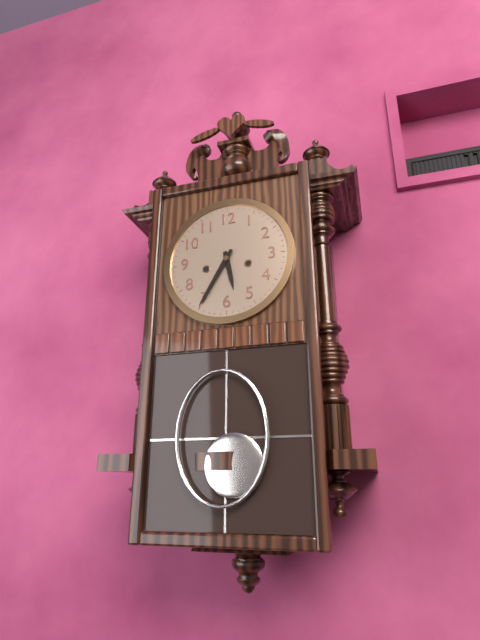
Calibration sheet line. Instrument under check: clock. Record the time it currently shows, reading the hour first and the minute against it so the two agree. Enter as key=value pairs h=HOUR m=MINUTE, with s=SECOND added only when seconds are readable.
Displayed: h=5 m=35
